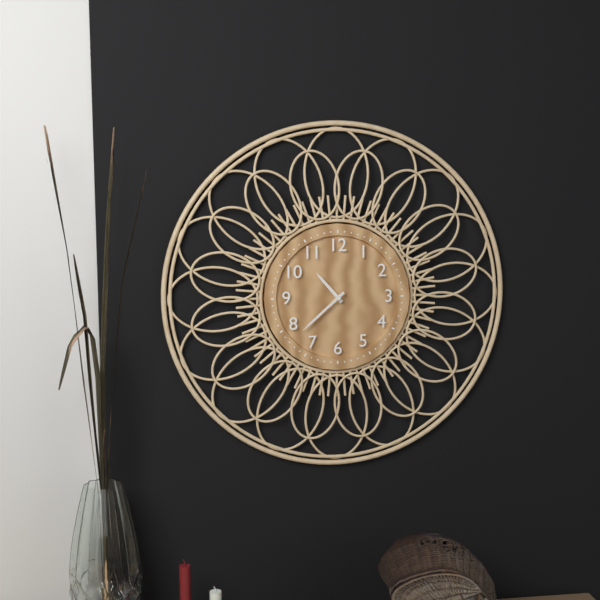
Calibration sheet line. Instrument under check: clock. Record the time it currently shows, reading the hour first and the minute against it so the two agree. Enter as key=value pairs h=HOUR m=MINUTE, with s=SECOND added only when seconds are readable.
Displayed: h=10 m=38
